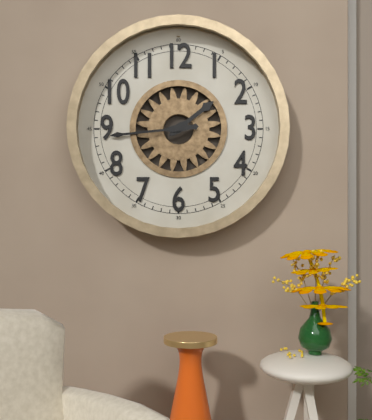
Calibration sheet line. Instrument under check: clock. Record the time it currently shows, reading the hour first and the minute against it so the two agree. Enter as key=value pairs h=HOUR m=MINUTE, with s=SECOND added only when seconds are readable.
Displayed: h=1 m=44
